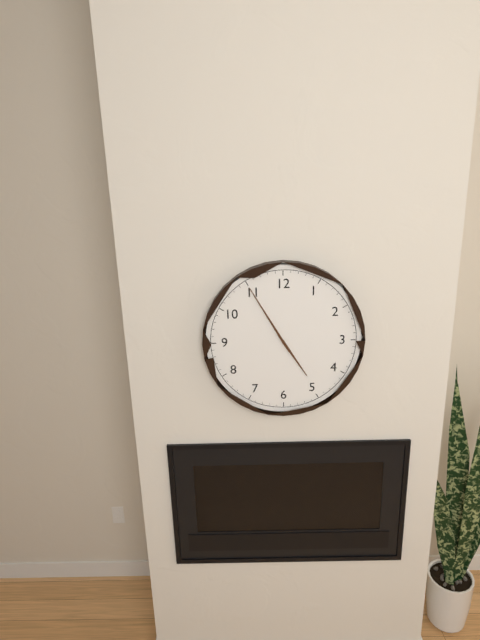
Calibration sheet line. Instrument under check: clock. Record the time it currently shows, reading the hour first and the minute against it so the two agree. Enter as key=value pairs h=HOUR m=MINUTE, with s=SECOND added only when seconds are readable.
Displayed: h=4 m=55
